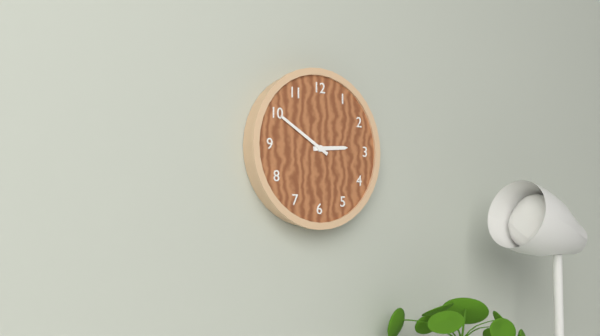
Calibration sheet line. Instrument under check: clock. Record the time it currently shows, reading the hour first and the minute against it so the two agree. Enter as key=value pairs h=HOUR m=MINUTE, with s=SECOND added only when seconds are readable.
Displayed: h=2 m=50
